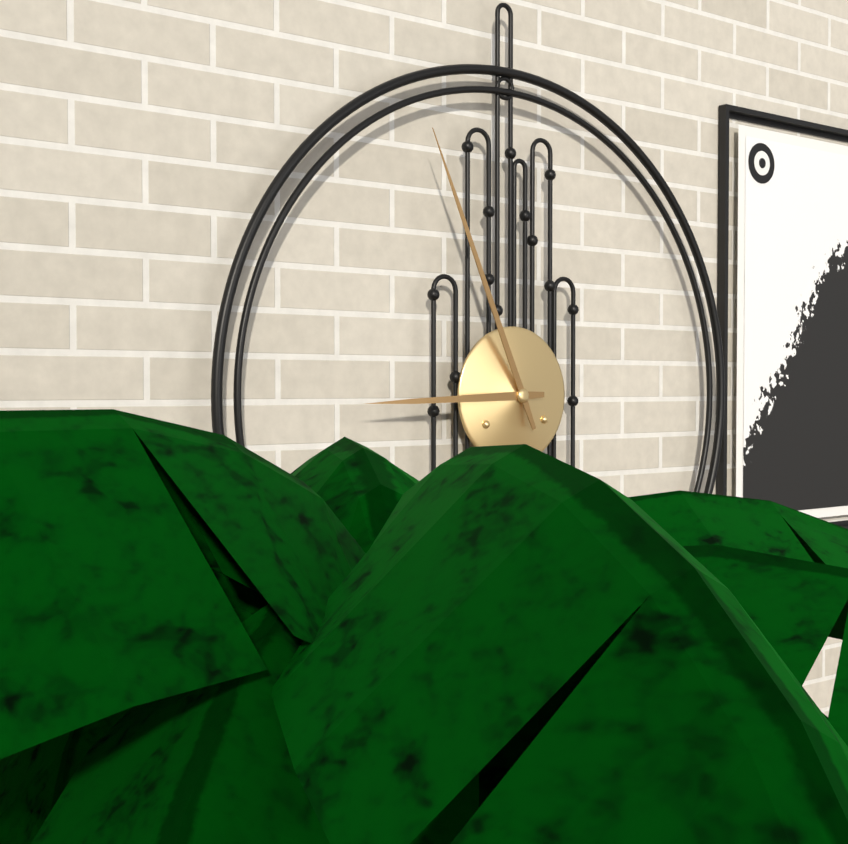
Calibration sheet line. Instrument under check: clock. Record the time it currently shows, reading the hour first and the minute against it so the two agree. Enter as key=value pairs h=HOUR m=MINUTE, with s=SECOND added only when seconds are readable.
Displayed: h=8 m=56
